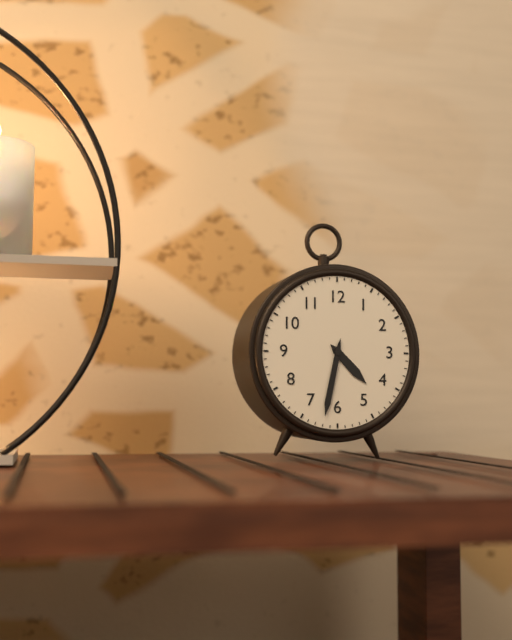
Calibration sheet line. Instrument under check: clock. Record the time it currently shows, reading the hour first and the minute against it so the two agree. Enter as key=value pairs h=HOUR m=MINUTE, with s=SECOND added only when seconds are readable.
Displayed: h=4 m=32
